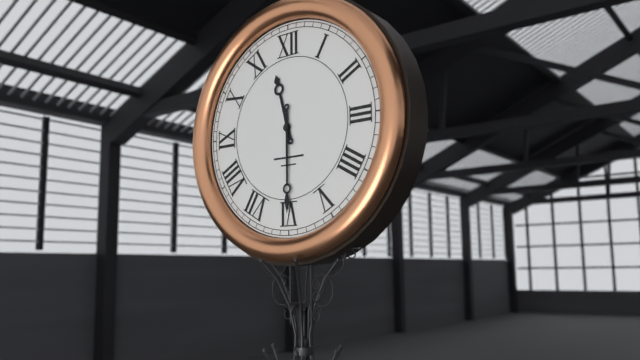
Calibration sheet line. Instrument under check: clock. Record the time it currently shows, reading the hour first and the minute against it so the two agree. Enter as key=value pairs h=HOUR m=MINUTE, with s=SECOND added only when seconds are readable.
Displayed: h=11 m=30
